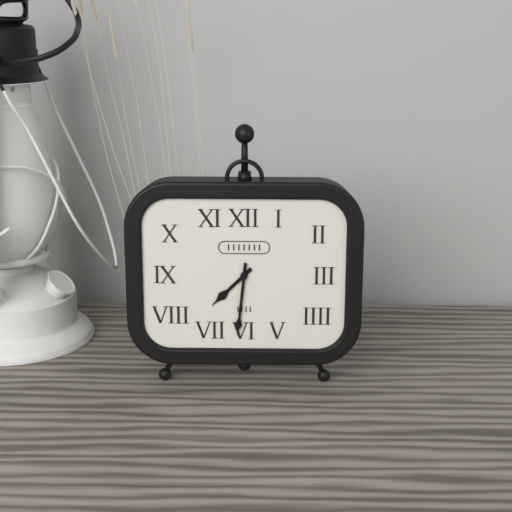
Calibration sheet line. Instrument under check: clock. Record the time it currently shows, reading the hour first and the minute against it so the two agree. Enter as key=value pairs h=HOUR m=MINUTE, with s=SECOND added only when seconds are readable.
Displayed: h=7 m=31
